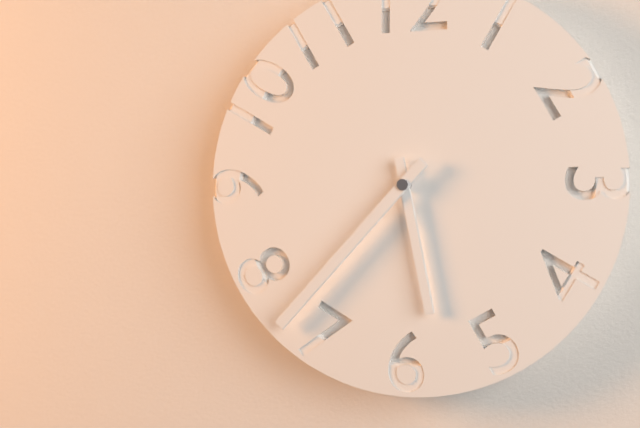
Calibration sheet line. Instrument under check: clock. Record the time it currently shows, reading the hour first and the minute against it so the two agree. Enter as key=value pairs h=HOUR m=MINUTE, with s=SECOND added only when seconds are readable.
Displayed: h=5 m=37
